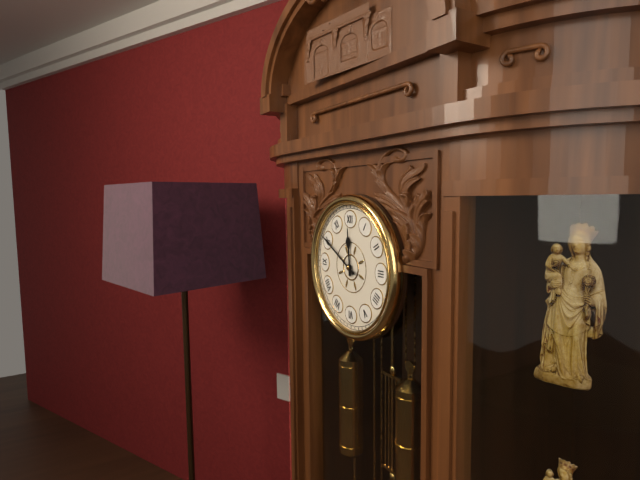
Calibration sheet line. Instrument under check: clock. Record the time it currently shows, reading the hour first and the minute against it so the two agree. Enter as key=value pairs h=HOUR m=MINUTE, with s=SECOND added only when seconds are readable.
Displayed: h=11 m=50
